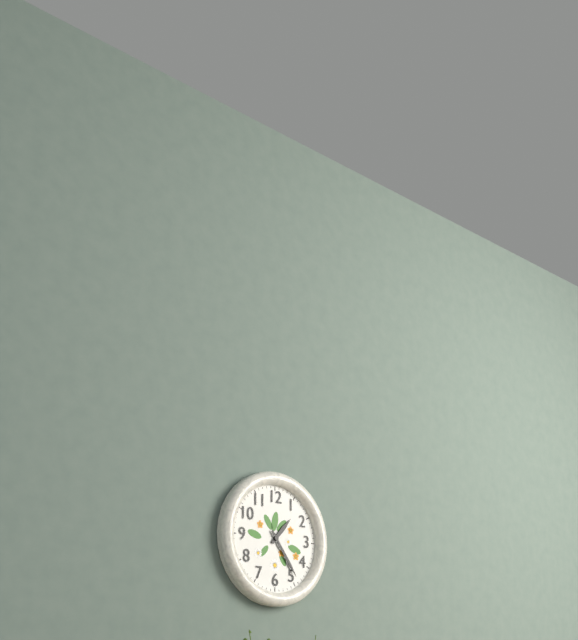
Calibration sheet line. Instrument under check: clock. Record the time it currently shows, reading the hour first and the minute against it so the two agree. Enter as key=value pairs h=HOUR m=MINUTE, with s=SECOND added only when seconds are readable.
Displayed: h=1 m=24
